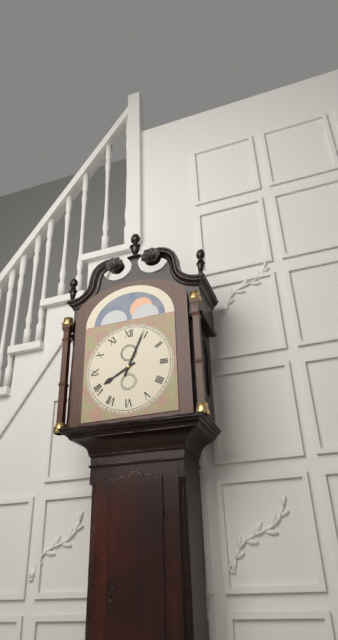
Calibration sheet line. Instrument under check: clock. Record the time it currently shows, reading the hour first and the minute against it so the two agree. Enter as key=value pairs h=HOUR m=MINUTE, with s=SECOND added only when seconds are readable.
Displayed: h=8 m=4
